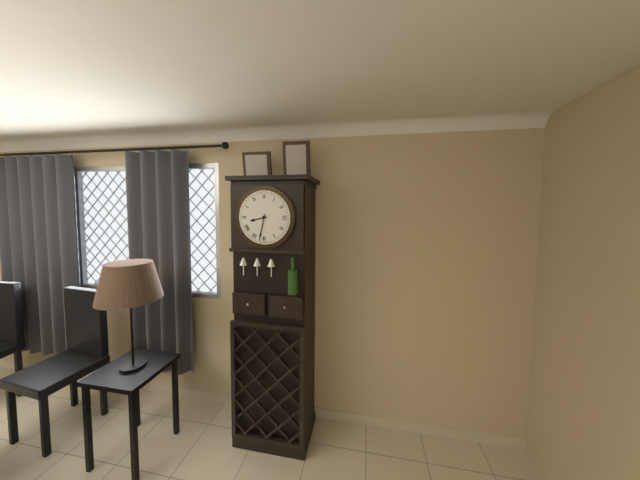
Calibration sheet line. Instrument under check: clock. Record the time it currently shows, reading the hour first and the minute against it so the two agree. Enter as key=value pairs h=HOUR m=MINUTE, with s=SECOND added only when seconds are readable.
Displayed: h=8 m=32
